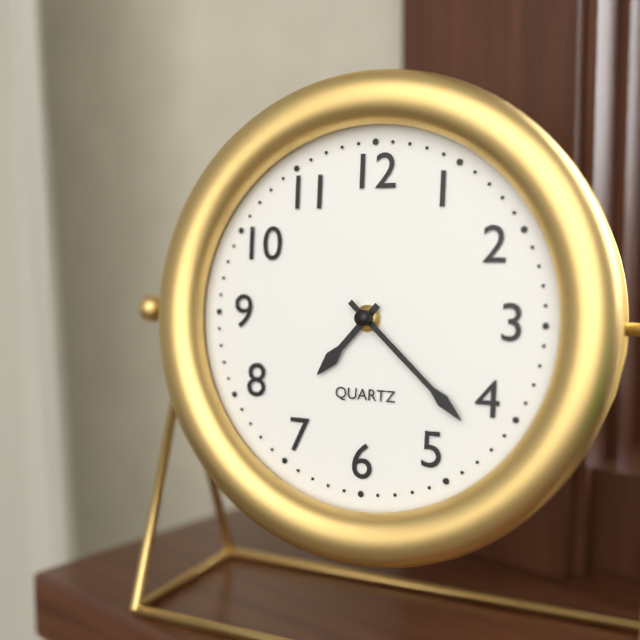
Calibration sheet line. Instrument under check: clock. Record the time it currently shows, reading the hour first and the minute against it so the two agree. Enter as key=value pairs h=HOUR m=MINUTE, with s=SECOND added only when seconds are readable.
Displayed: h=7 m=22
